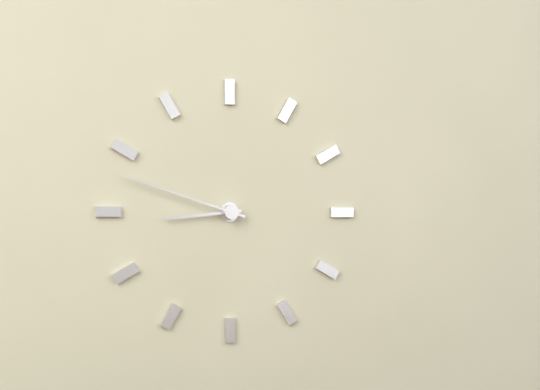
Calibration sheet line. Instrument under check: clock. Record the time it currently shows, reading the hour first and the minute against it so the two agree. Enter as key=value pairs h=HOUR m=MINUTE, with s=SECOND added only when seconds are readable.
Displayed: h=8 m=48
